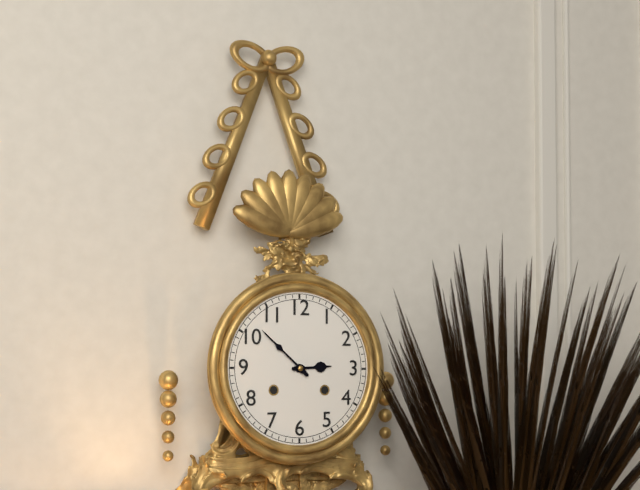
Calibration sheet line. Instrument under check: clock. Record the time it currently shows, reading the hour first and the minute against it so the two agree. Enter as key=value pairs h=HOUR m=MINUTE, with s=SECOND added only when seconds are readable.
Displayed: h=2 m=52
